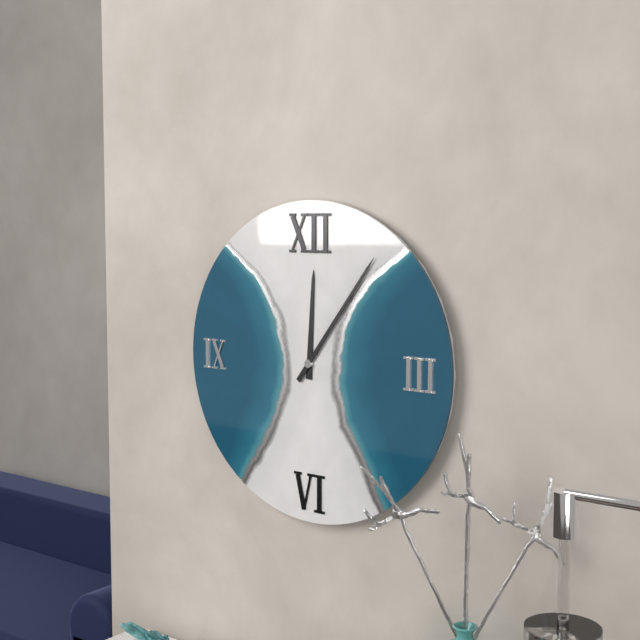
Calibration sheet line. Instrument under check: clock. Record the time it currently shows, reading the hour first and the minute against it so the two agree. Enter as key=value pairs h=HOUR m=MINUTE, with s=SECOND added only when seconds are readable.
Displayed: h=12 m=6
